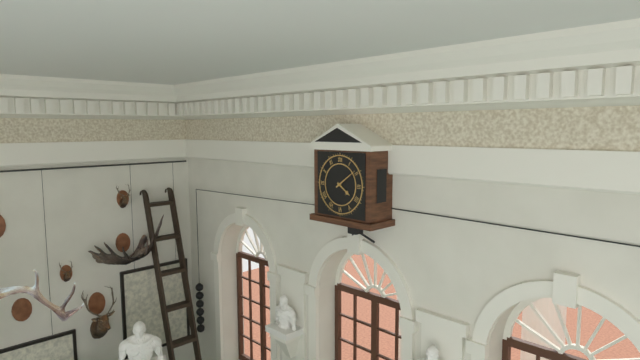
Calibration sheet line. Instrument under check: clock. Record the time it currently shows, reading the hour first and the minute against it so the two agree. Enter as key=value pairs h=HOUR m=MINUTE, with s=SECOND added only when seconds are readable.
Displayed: h=4 m=9
